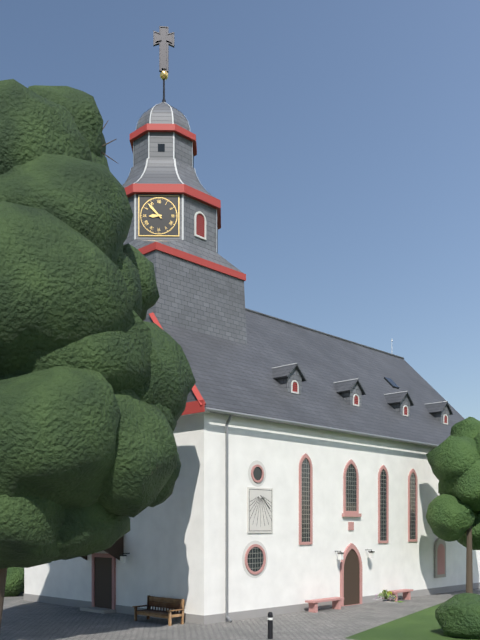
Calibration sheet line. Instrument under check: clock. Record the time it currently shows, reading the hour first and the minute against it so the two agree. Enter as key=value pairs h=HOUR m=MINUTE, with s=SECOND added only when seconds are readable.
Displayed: h=8 m=53
